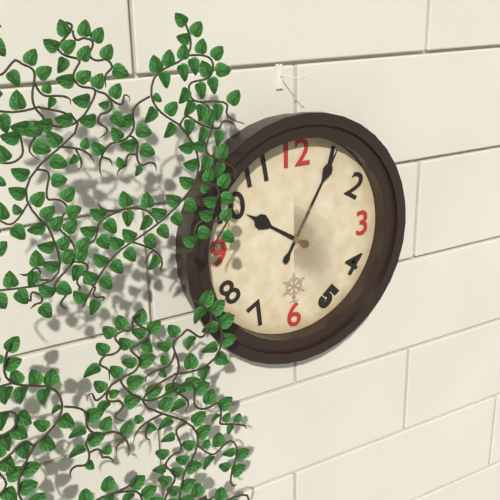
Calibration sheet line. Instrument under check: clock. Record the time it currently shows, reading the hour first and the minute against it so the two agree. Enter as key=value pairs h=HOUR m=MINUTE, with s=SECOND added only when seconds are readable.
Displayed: h=10 m=5
